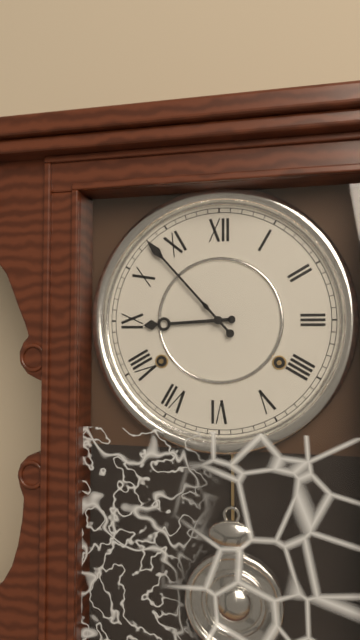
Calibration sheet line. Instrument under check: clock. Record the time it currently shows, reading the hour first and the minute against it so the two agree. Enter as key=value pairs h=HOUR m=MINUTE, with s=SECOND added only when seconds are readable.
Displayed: h=8 m=53
